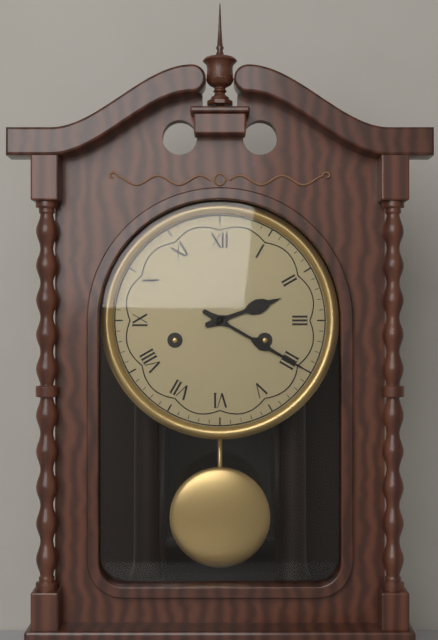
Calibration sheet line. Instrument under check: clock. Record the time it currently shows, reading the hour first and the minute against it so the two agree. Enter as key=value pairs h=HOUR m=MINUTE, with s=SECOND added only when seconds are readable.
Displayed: h=2 m=20
